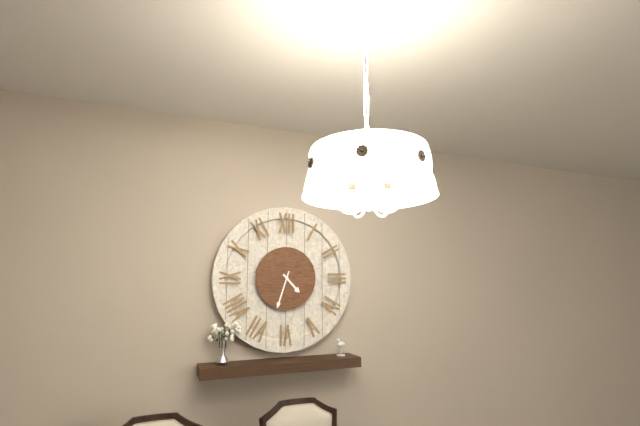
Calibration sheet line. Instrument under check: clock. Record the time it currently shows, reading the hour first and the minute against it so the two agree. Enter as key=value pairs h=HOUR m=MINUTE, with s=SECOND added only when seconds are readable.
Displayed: h=4 m=33
